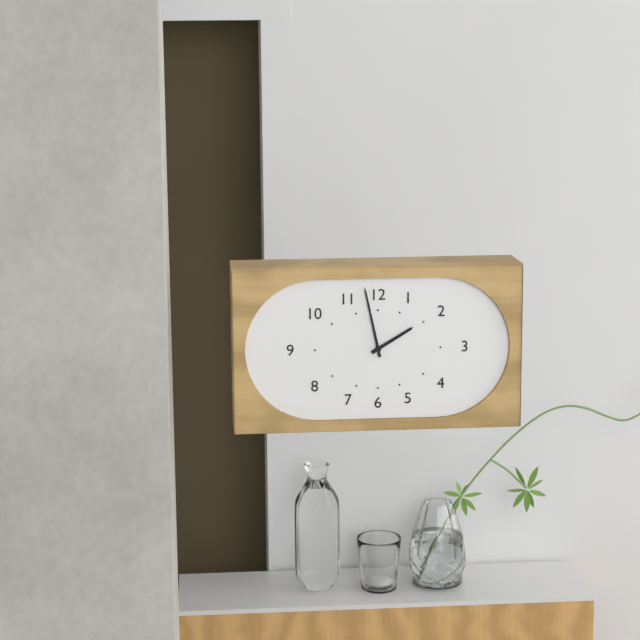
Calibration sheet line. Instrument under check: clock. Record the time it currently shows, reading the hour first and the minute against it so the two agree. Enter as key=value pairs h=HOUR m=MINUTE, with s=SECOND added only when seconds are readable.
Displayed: h=1 m=58
